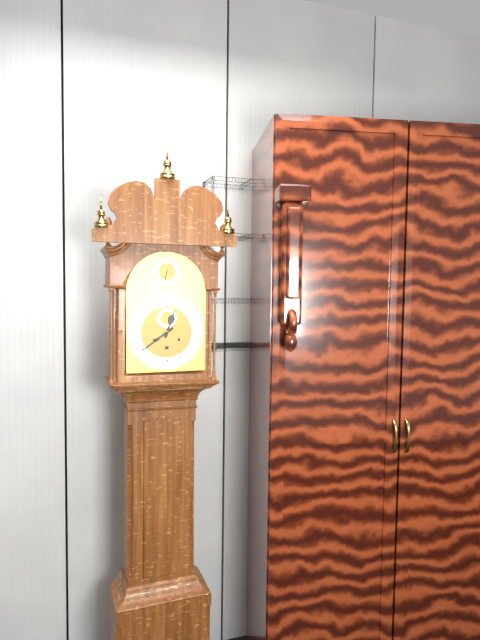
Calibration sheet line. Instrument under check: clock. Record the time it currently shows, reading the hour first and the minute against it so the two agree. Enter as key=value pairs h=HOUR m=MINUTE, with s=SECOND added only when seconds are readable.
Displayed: h=12 m=39
